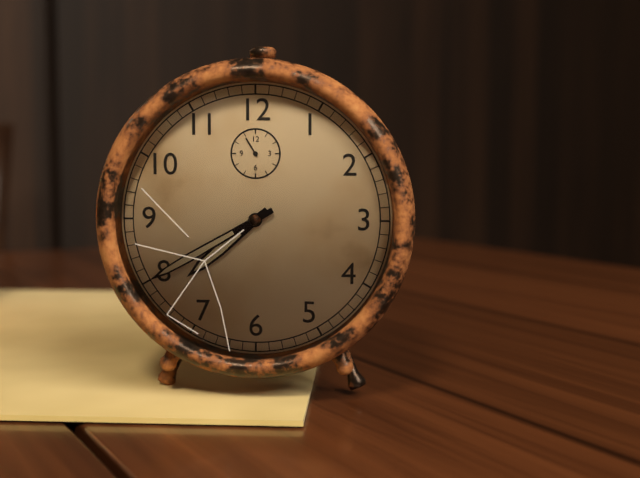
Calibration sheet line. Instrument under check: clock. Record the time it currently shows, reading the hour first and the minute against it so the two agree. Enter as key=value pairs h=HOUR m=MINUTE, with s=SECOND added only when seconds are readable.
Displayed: h=7 m=40
